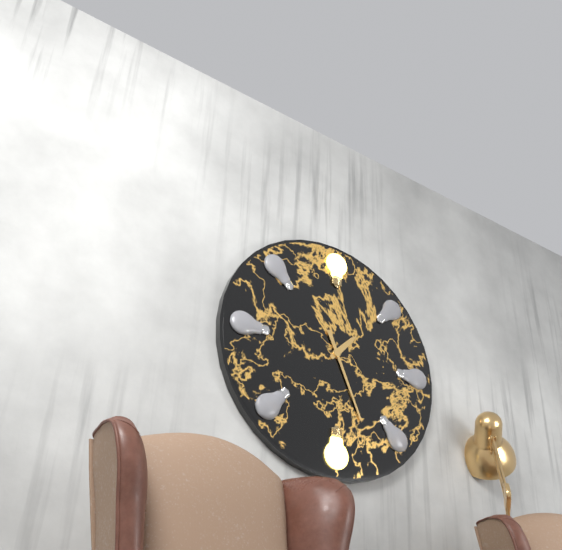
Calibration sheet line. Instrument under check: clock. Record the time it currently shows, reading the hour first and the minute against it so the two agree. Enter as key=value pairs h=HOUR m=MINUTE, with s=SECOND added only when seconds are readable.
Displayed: h=1 m=26
